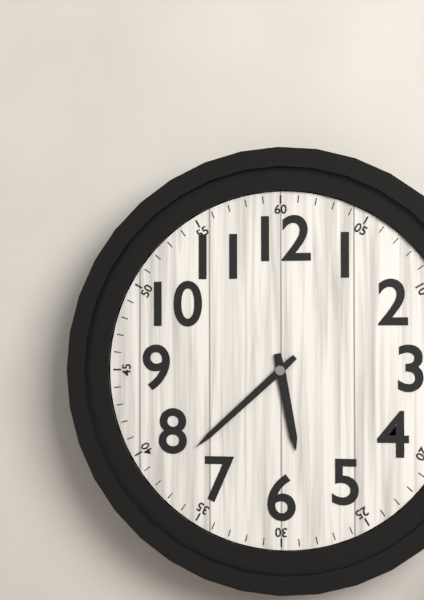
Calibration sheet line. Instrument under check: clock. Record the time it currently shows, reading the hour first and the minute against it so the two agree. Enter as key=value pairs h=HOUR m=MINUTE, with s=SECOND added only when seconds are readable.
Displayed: h=5 m=38
